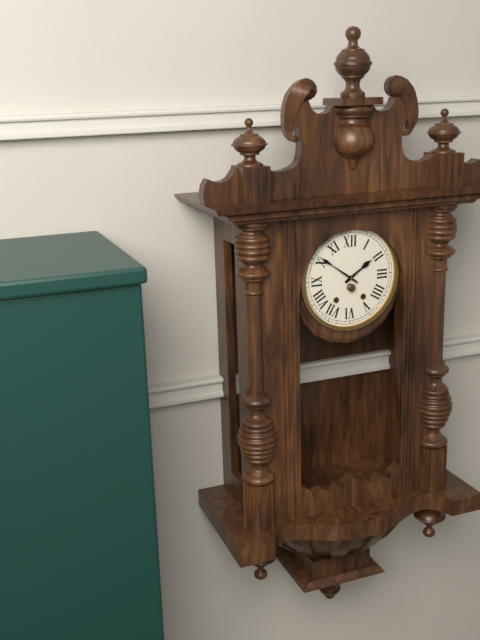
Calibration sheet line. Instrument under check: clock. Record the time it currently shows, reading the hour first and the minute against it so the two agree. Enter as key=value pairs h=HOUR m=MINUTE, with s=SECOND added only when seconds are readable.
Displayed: h=1 m=51
